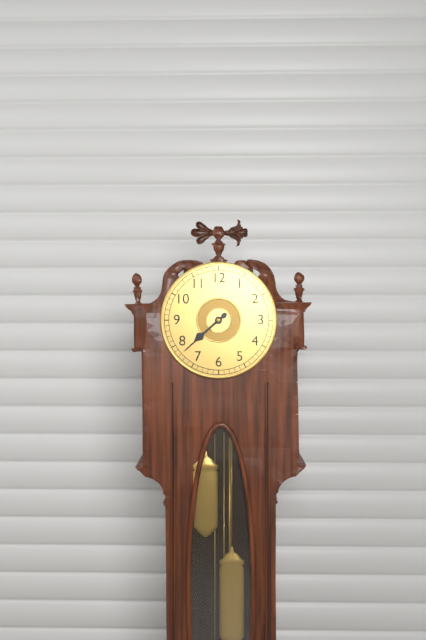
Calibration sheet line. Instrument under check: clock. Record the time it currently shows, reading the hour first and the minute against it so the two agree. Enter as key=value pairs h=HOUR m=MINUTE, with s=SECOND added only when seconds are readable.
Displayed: h=7 m=38
